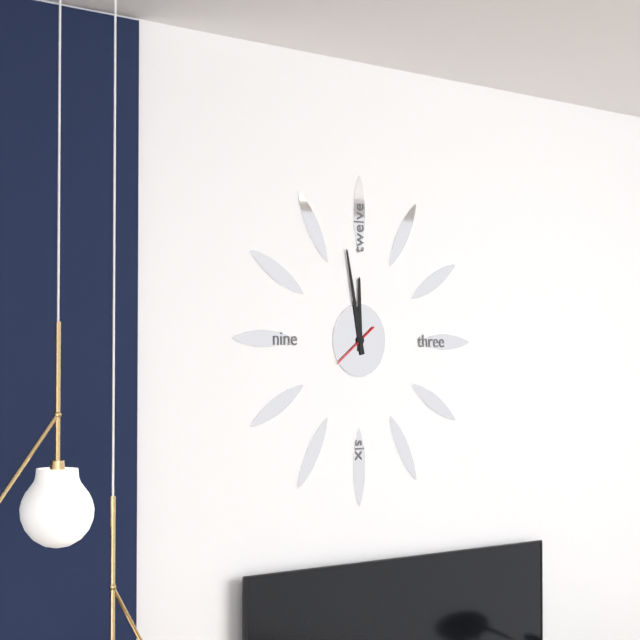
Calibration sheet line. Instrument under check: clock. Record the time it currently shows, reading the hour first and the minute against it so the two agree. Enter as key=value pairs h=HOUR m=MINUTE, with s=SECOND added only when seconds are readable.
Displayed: h=11 m=58
